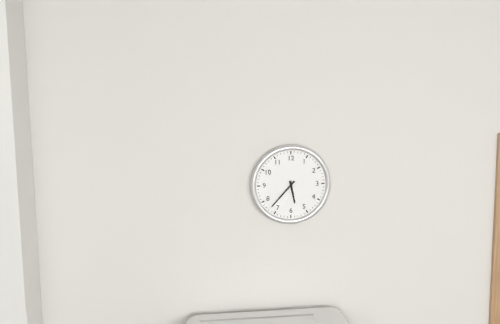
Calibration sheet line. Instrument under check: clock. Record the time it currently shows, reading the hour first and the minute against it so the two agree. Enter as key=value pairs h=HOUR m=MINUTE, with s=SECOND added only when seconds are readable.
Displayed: h=5 m=37
